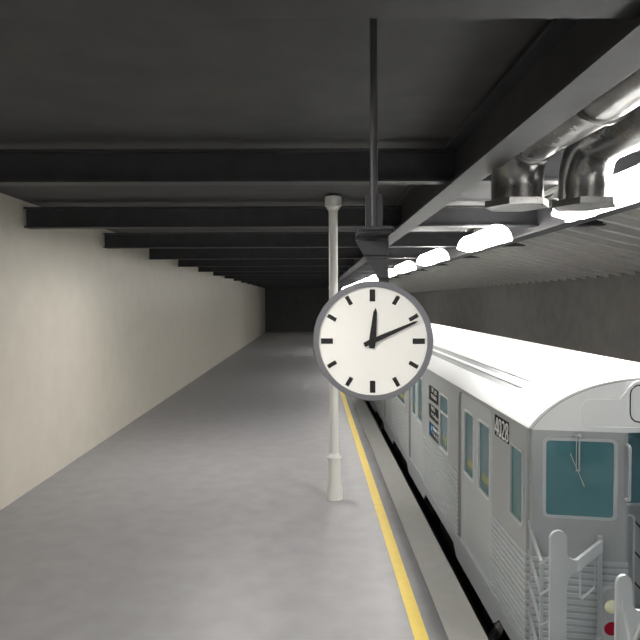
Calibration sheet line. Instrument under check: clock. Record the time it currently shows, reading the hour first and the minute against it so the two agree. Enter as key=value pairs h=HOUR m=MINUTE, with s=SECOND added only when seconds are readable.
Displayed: h=12 m=11
